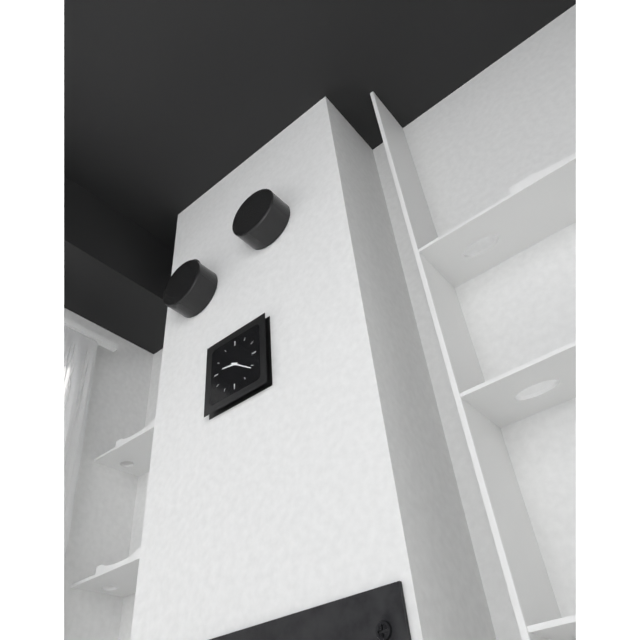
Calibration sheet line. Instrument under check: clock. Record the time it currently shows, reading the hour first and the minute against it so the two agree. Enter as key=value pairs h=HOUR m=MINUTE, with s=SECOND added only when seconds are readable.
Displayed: h=9 m=21
